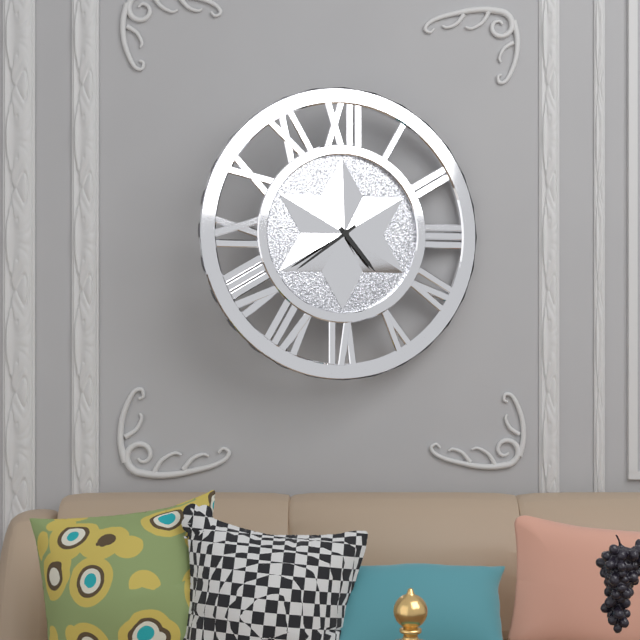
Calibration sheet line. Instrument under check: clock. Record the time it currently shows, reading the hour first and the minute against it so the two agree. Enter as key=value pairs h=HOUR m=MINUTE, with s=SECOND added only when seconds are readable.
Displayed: h=4 m=39
